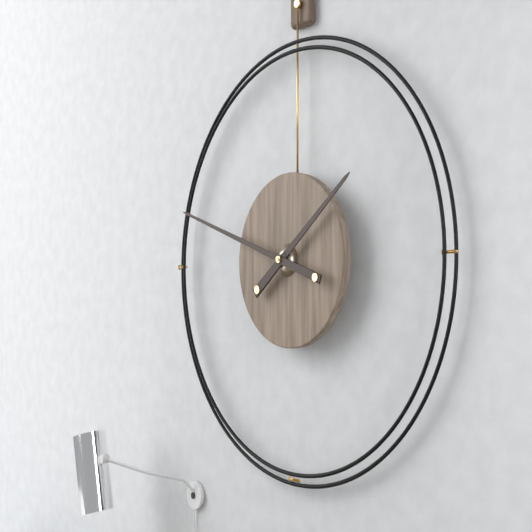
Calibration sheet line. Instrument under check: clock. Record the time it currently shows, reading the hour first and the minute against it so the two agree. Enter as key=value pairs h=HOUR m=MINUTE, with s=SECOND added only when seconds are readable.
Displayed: h=1 m=48
